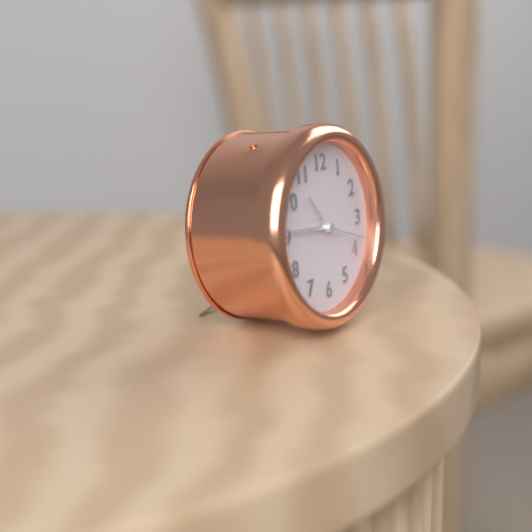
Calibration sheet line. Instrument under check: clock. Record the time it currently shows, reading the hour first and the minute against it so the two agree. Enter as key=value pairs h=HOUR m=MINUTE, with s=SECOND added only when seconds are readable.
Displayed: h=10 m=46
